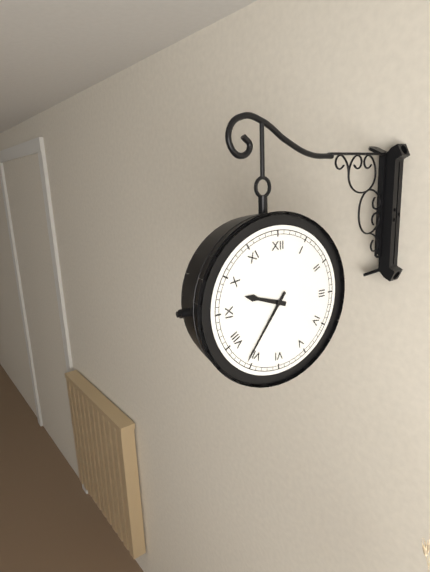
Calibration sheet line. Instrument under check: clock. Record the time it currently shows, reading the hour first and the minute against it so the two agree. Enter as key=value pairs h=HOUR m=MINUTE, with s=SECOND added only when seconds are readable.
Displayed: h=9 m=36
